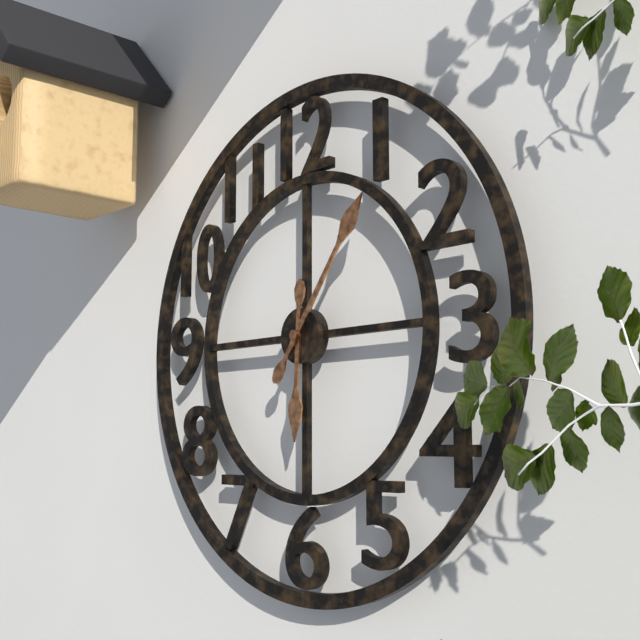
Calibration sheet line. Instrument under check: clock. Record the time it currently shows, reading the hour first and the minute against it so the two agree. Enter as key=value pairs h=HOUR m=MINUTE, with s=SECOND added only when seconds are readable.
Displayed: h=6 m=6
